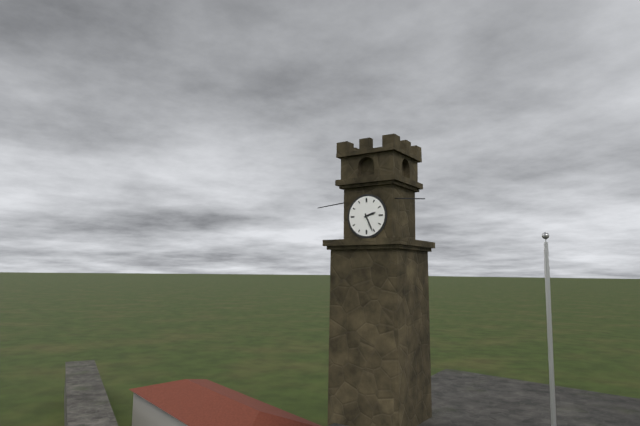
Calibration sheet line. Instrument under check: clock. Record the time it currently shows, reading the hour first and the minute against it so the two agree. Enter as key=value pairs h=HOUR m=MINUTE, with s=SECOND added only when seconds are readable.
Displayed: h=2 m=26
